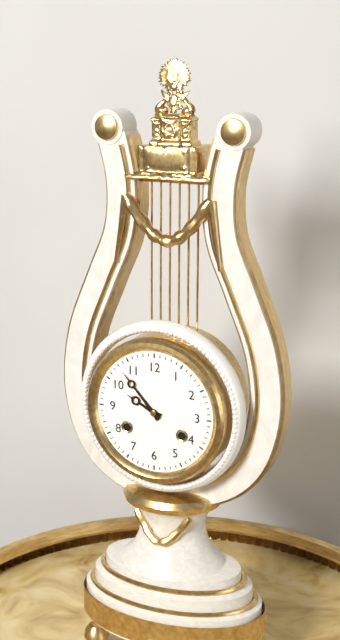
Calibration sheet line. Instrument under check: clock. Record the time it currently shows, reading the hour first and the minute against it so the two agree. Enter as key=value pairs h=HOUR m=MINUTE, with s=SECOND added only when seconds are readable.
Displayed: h=9 m=53
